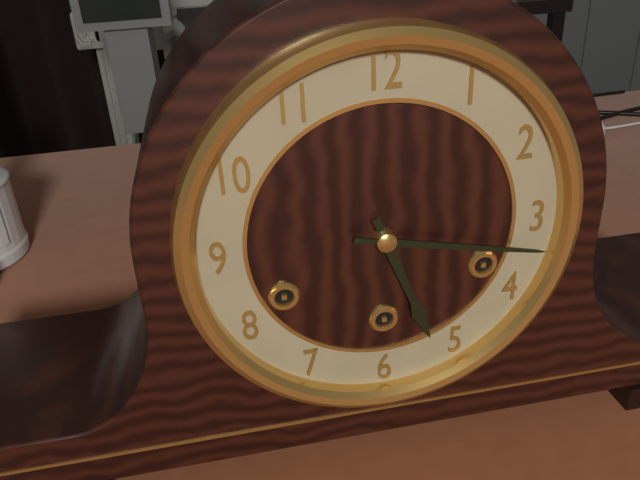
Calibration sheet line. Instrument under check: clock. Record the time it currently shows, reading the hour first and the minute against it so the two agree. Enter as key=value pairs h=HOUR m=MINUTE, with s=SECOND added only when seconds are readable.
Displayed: h=5 m=17
